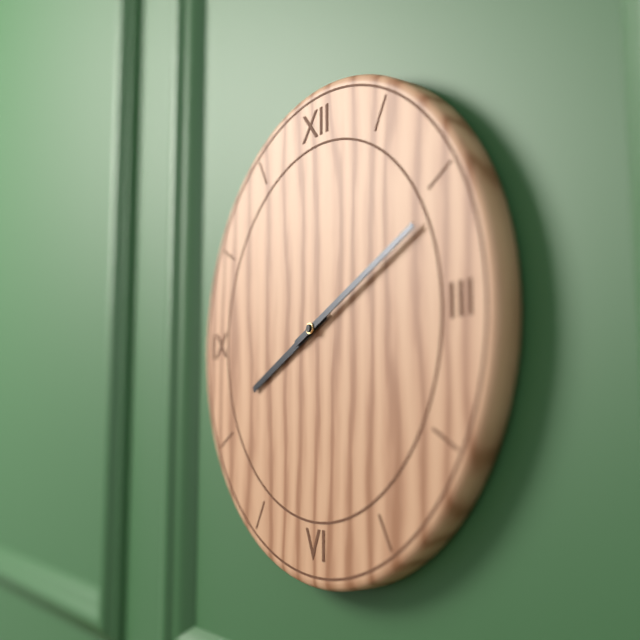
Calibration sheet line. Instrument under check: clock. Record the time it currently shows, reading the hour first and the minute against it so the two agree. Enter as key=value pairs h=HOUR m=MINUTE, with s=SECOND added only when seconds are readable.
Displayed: h=8 m=11
